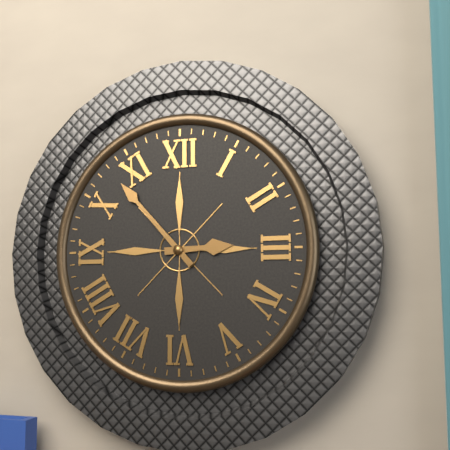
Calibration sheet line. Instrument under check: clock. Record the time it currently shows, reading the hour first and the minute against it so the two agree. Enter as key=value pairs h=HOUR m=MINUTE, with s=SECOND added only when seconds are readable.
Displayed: h=2 m=53
